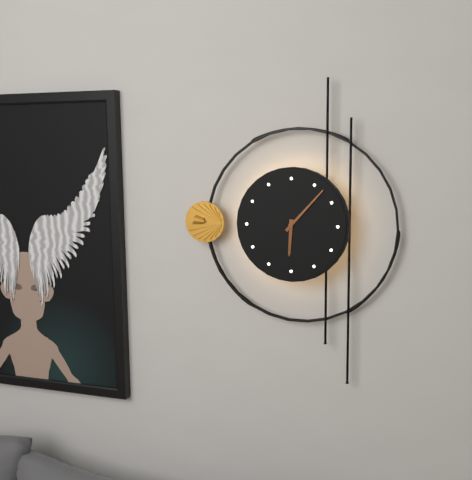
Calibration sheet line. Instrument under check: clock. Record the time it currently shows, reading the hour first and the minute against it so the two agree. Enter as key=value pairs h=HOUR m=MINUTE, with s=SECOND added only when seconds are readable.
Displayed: h=6 m=7
